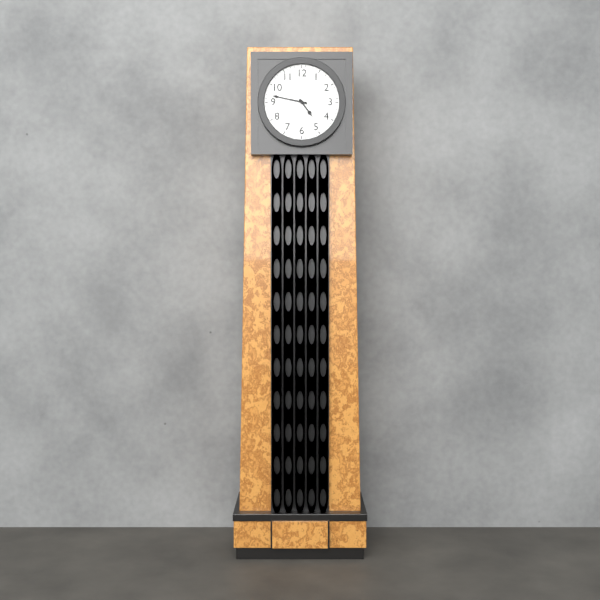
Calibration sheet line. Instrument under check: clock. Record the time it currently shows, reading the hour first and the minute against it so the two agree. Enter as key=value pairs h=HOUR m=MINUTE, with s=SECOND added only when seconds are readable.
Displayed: h=4 m=47
